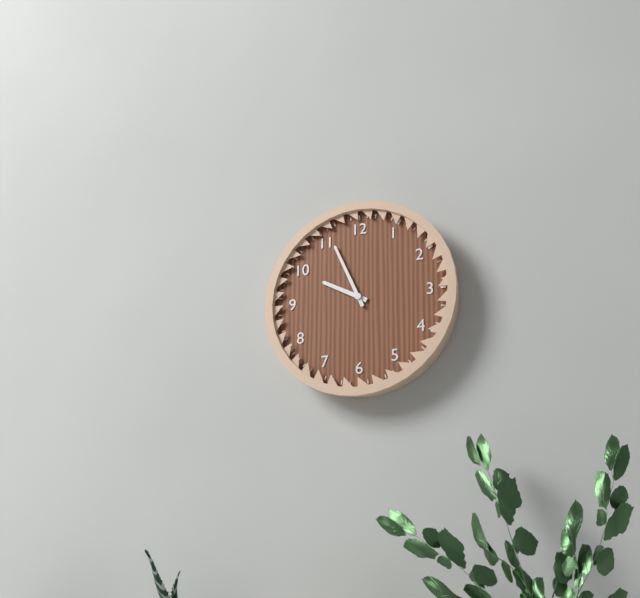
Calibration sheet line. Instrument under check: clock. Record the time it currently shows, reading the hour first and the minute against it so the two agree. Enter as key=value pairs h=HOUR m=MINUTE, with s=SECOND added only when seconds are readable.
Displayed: h=9 m=56
